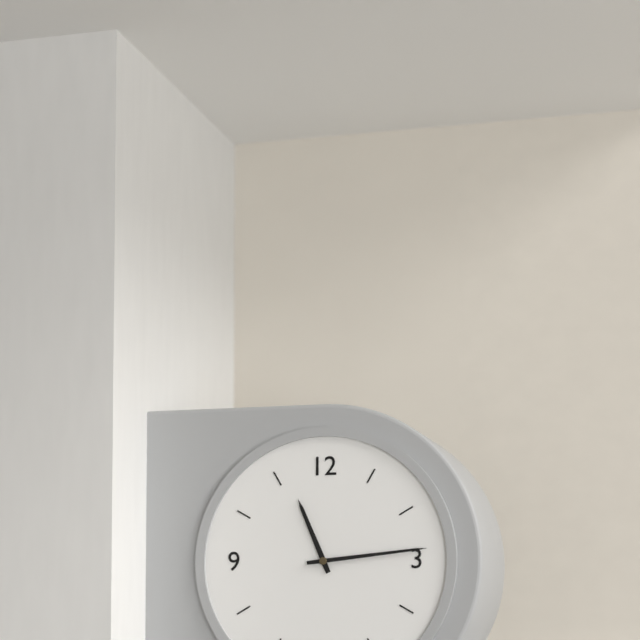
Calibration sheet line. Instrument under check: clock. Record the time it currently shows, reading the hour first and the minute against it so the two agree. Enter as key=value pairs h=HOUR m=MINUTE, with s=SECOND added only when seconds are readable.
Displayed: h=11 m=14
